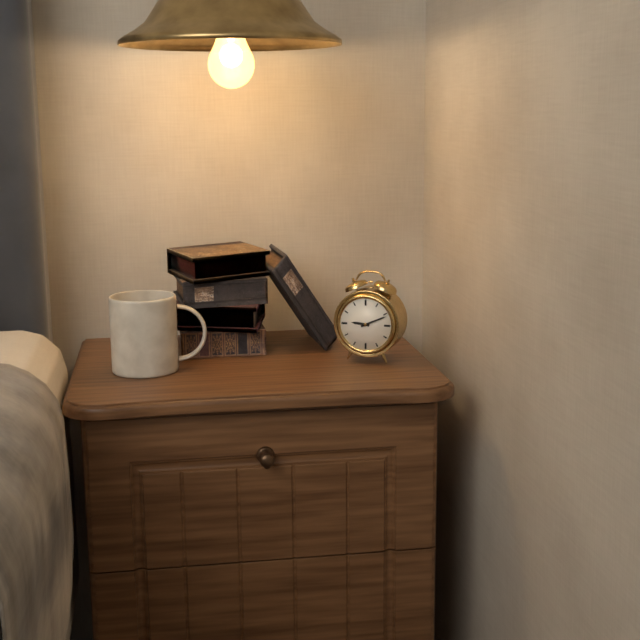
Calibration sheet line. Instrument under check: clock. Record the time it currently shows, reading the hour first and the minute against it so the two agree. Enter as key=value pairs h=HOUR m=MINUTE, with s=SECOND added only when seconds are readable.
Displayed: h=9 m=11
